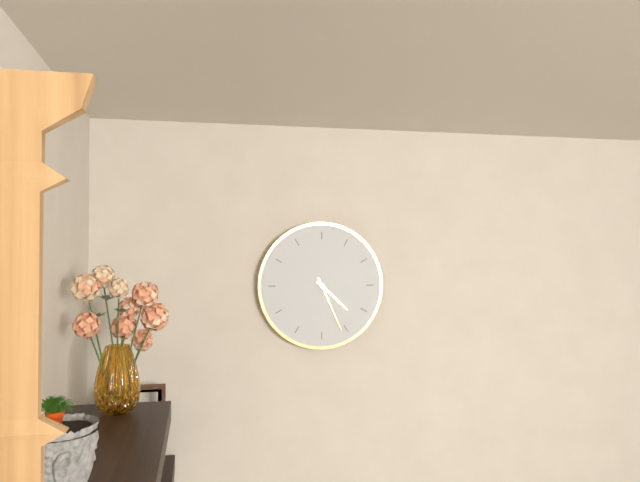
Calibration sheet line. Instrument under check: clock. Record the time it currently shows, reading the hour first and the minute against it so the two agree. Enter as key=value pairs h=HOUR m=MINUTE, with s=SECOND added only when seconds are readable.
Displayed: h=4 m=26
